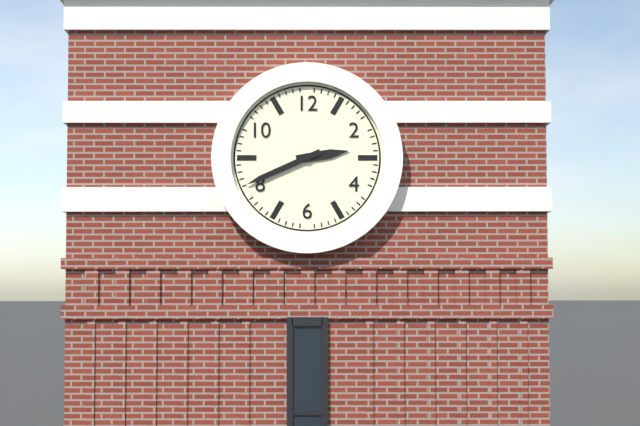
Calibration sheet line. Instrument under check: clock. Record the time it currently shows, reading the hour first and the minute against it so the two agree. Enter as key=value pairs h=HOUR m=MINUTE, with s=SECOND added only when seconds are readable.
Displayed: h=2 m=41
